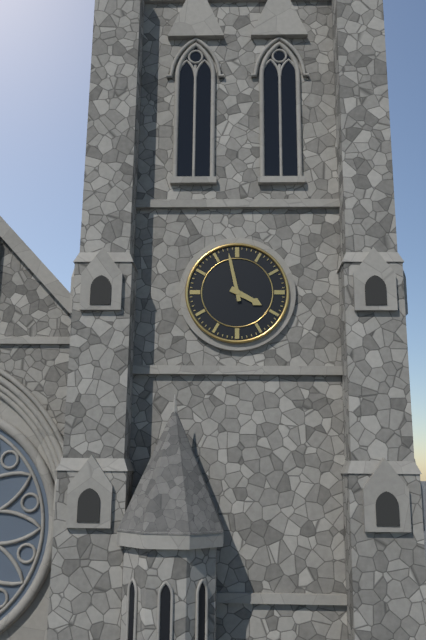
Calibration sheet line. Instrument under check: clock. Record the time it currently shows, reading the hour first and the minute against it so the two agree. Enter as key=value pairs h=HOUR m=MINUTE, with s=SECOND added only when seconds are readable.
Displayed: h=3 m=58
